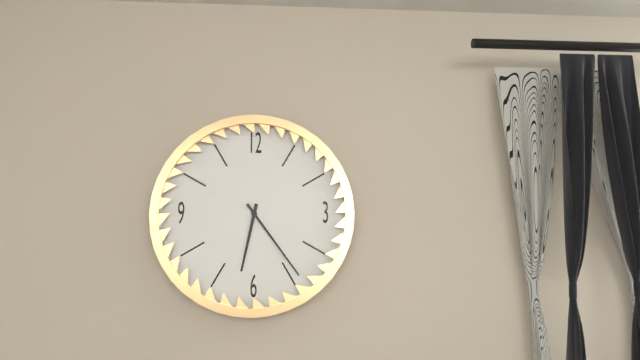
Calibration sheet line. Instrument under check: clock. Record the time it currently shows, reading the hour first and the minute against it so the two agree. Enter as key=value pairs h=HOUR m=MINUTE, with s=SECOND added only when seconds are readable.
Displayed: h=6 m=24
